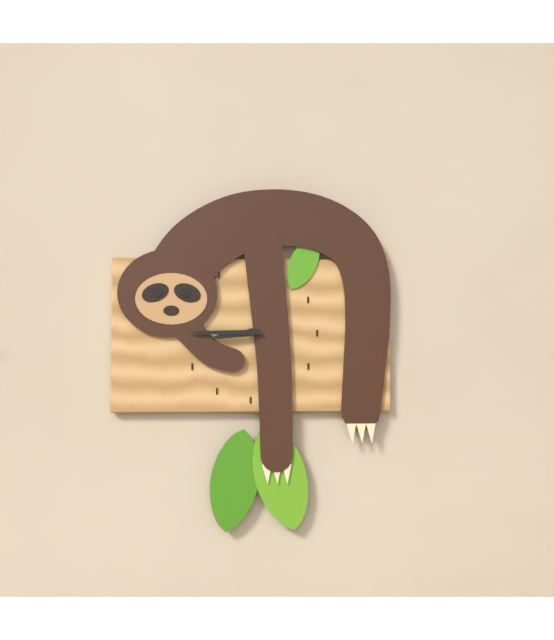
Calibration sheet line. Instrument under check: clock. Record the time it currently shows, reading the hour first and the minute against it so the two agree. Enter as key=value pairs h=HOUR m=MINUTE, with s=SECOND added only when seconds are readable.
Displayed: h=8 m=45
